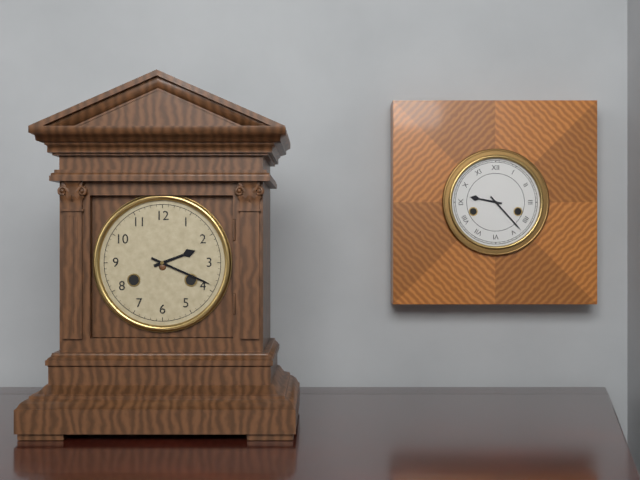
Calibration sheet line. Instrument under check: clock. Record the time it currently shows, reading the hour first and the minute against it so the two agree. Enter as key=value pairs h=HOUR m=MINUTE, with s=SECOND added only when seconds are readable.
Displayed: h=2 m=19
